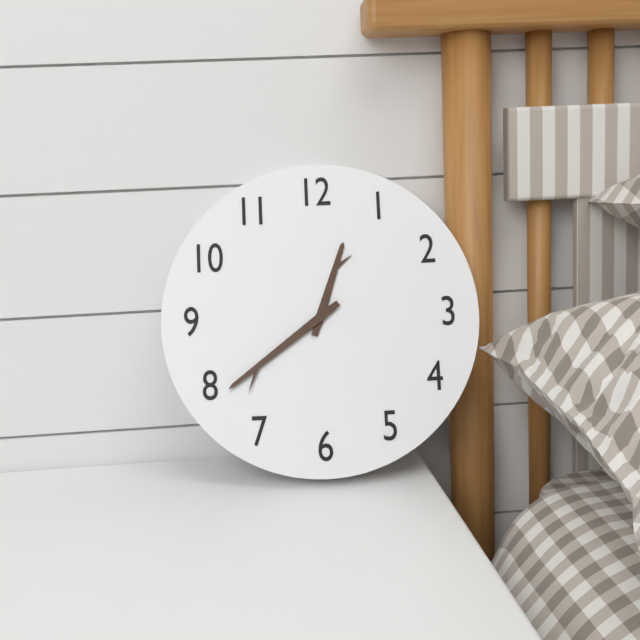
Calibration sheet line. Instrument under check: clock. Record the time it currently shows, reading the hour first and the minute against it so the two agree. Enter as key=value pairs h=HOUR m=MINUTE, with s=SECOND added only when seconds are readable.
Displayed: h=12 m=39
